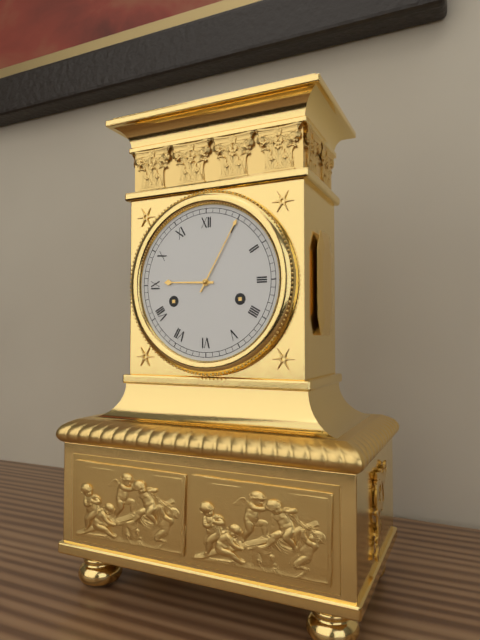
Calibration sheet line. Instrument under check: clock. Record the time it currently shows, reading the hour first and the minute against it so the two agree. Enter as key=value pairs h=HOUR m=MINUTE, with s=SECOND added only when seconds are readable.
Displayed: h=9 m=5
